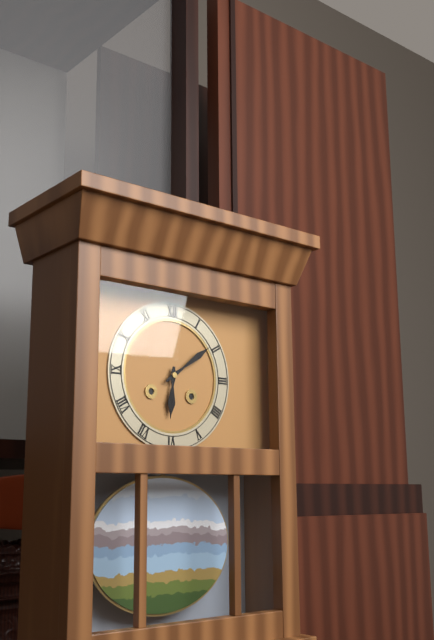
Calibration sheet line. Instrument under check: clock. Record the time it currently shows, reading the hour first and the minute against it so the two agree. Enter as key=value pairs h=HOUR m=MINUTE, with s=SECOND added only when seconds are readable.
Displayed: h=6 m=9
